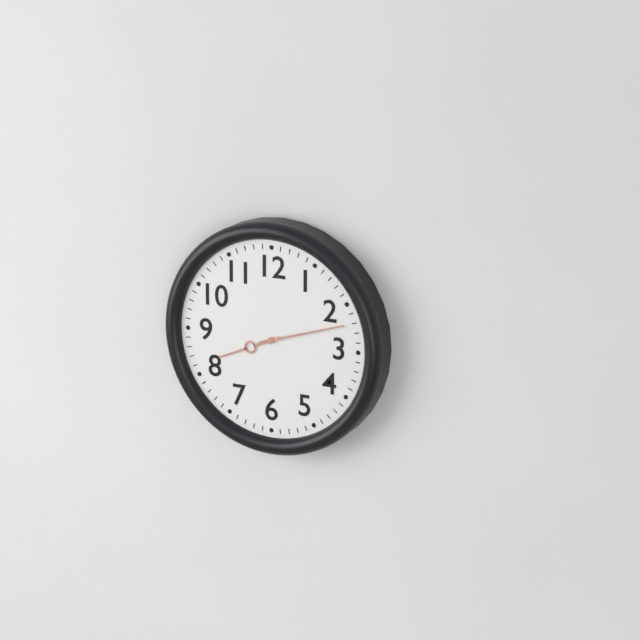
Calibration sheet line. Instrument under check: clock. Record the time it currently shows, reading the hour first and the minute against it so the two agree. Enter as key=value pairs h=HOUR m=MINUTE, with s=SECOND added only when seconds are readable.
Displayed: h=8 m=12
